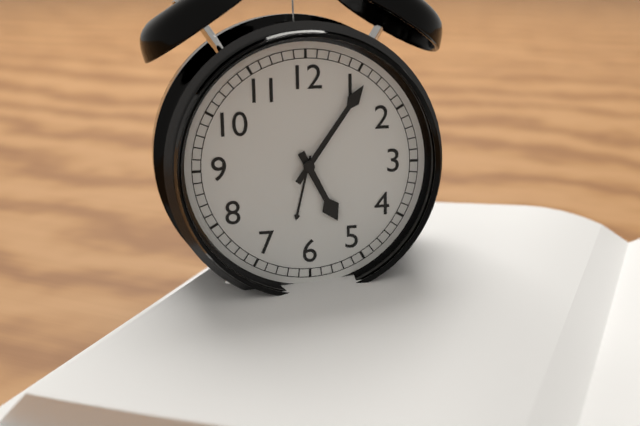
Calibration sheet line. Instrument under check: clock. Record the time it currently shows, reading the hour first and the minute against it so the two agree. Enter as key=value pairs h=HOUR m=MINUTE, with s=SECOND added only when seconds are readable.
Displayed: h=5 m=6
